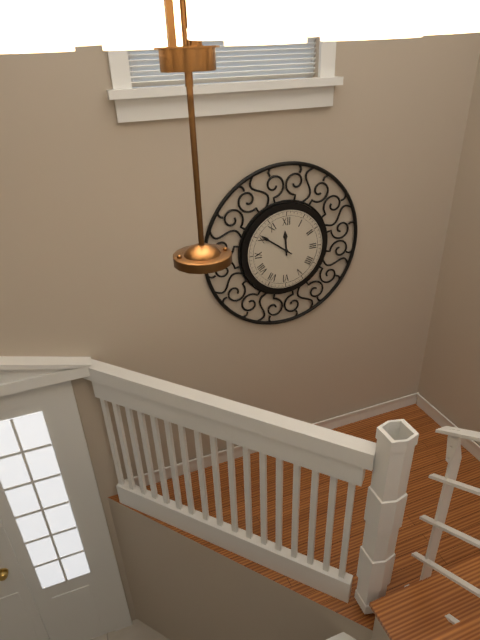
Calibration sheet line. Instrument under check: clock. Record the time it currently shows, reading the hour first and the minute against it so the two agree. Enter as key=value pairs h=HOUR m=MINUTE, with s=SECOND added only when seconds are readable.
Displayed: h=11 m=51
